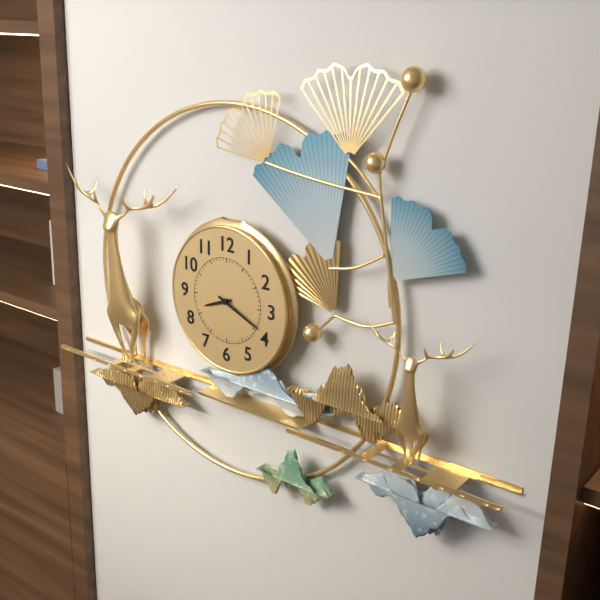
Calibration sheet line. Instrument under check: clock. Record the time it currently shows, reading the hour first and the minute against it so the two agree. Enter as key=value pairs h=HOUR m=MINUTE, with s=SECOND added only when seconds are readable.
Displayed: h=8 m=19
